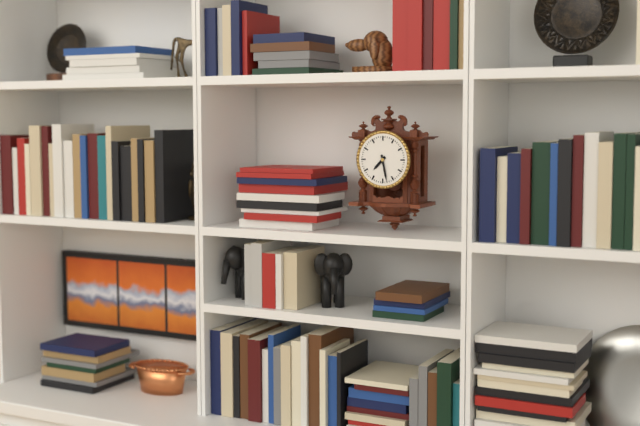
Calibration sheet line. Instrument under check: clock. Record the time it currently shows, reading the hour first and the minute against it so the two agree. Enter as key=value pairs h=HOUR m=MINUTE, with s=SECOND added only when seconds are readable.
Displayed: h=7 m=28
